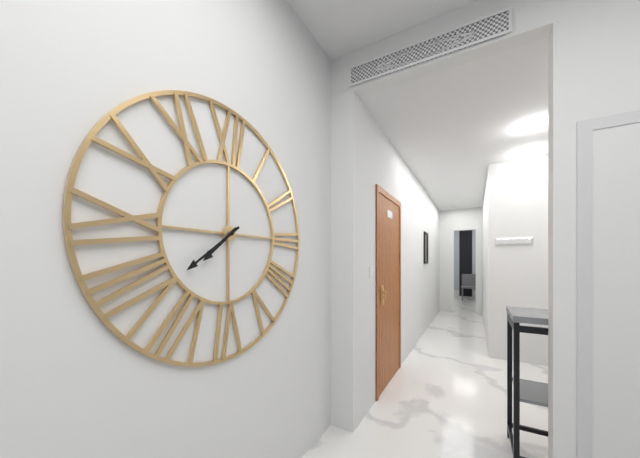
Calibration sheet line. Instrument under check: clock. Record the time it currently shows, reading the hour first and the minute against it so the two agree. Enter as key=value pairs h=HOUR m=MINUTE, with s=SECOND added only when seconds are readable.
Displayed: h=7 m=39
